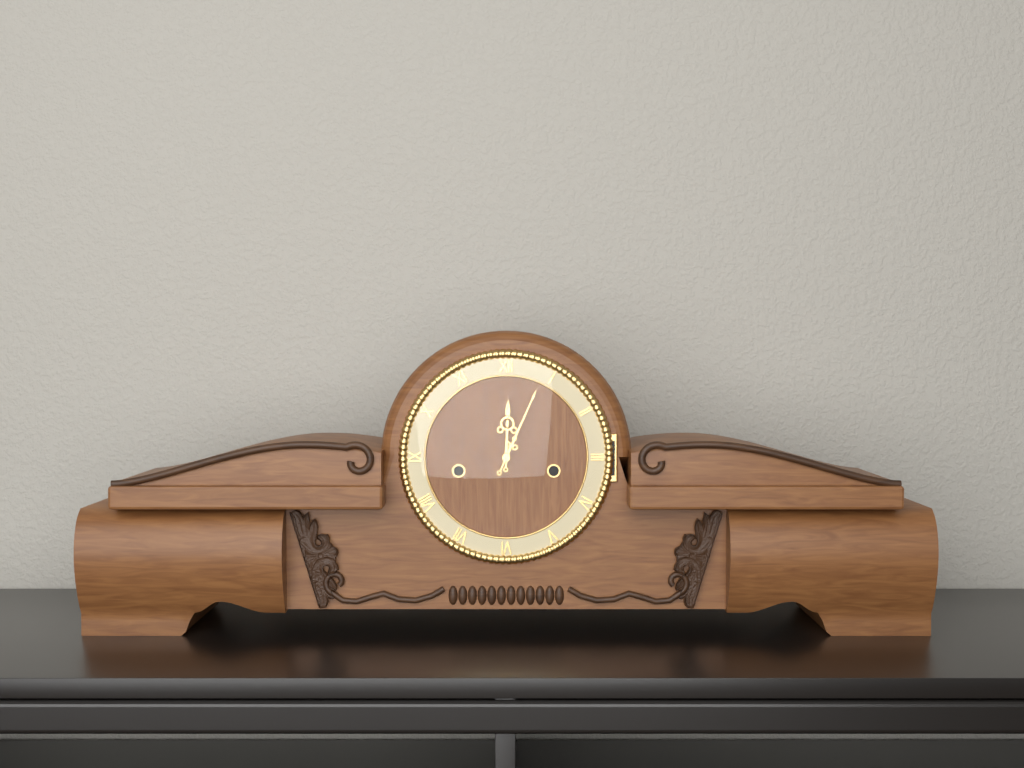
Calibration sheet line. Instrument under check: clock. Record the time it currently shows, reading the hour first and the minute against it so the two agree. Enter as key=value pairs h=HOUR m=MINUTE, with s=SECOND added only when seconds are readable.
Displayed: h=12 m=4
